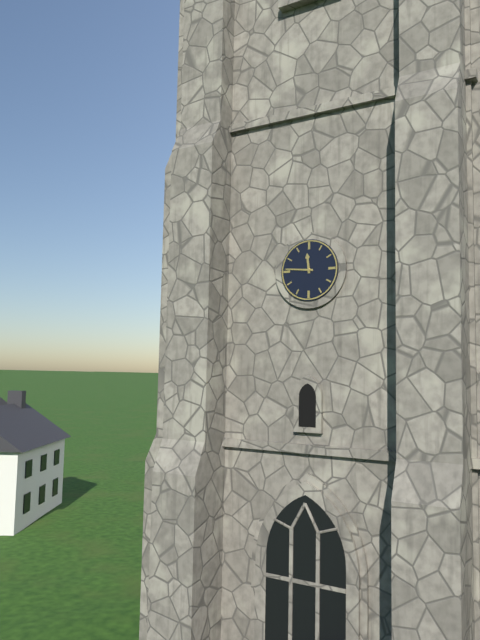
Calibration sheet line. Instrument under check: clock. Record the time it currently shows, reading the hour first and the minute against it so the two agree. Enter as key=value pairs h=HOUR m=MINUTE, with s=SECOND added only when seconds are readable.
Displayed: h=11 m=46
